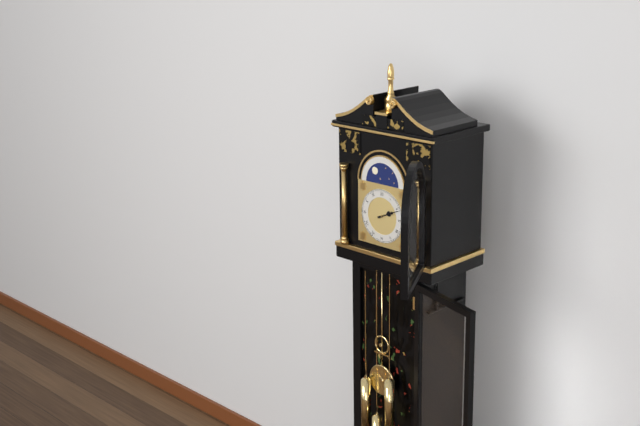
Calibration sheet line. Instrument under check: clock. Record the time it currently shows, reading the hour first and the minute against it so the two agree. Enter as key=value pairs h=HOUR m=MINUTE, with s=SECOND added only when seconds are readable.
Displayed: h=2 m=11
